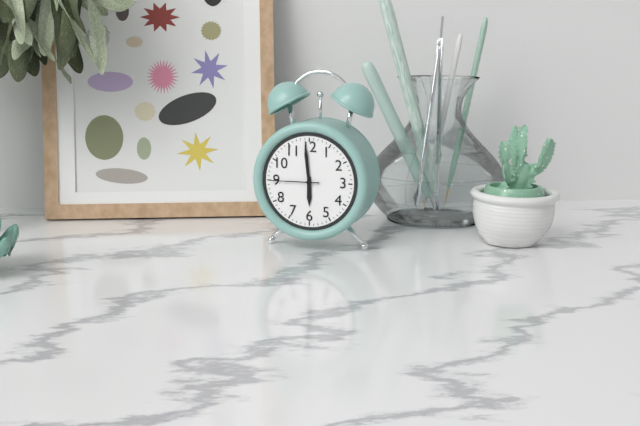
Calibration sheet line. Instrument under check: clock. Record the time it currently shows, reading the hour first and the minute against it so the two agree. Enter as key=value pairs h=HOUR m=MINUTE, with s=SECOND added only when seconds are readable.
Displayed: h=5 m=59
